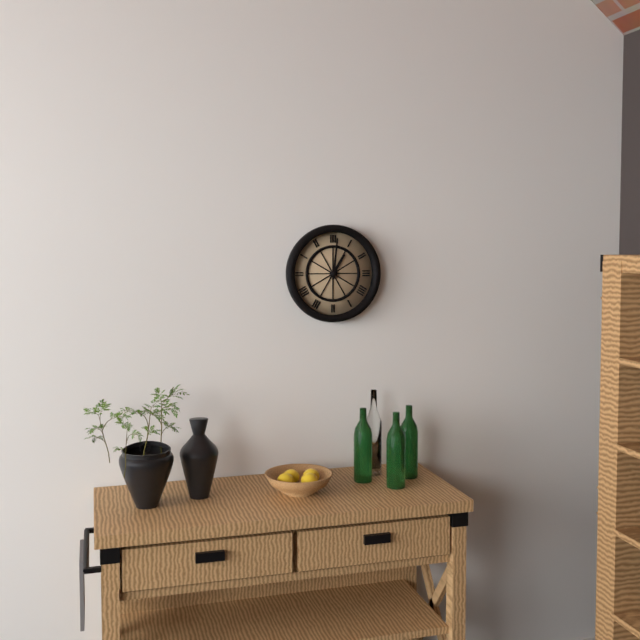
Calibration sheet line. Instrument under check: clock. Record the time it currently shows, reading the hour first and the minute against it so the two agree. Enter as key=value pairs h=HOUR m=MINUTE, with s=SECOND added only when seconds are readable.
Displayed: h=1 m=1
